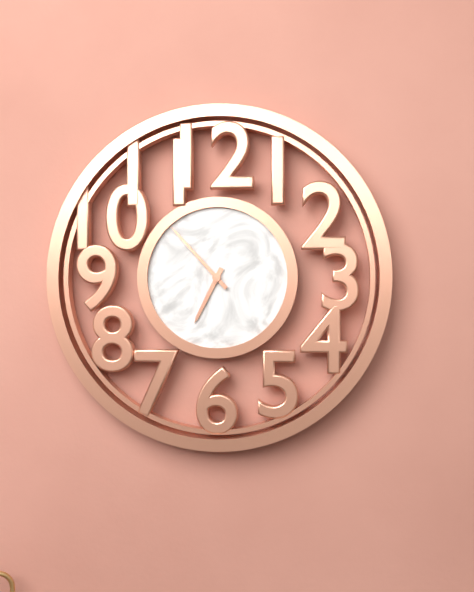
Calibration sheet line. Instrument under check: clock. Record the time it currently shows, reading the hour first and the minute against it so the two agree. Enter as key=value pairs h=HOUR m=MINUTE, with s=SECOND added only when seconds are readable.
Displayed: h=6 m=53
